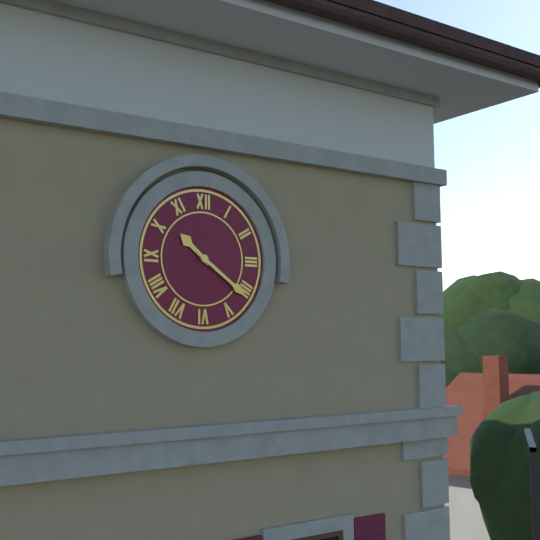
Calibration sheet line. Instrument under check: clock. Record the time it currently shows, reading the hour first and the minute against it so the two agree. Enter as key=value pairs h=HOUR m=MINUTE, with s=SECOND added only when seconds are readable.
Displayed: h=10 m=21
